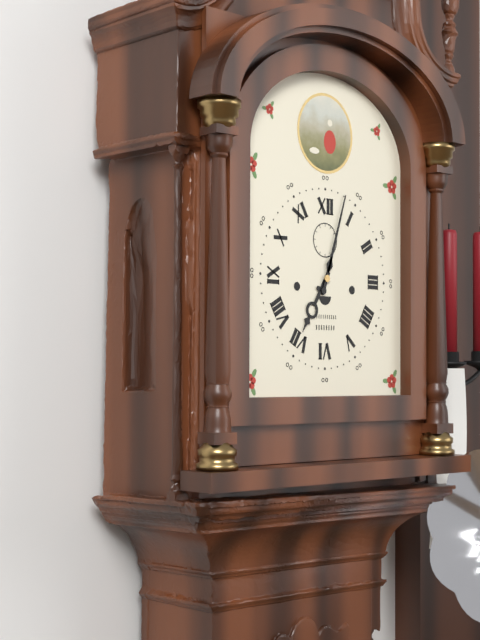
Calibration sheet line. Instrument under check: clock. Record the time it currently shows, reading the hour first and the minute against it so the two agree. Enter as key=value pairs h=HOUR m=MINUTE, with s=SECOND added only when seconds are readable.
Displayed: h=7 m=3
